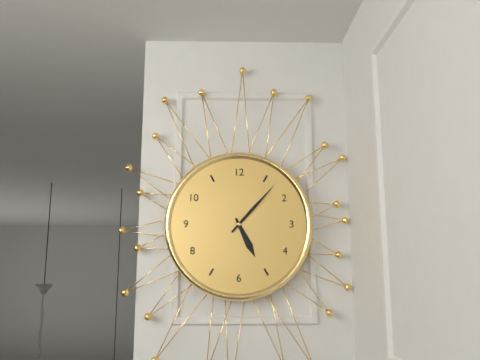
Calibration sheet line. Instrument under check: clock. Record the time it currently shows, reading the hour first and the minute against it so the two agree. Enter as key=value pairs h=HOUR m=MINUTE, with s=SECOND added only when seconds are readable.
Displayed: h=5 m=7
